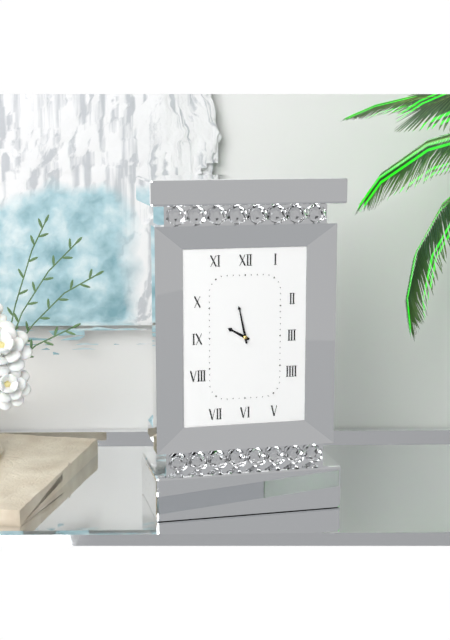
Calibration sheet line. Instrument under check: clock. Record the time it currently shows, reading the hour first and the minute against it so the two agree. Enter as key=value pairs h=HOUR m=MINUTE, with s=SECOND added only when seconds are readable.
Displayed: h=9 m=58
